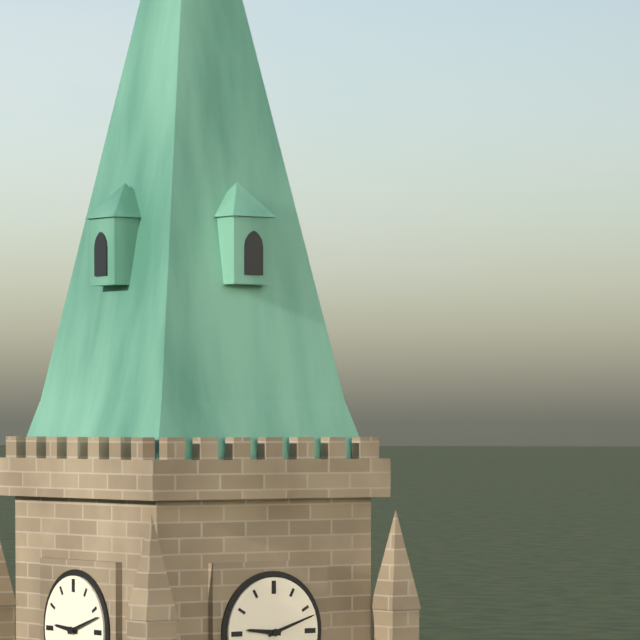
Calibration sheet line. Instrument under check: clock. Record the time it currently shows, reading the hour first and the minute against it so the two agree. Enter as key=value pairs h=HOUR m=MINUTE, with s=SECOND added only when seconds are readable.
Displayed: h=9 m=12
